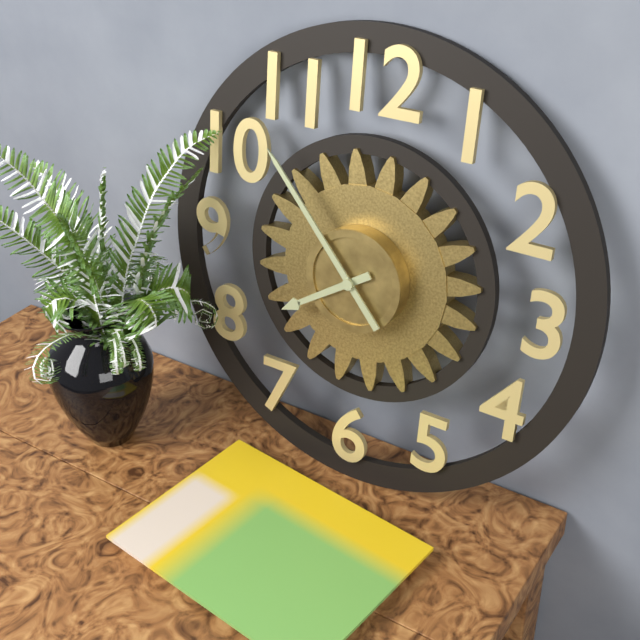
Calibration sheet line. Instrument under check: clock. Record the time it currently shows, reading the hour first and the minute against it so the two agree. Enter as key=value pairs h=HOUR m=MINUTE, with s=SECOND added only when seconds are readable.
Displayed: h=7 m=53
